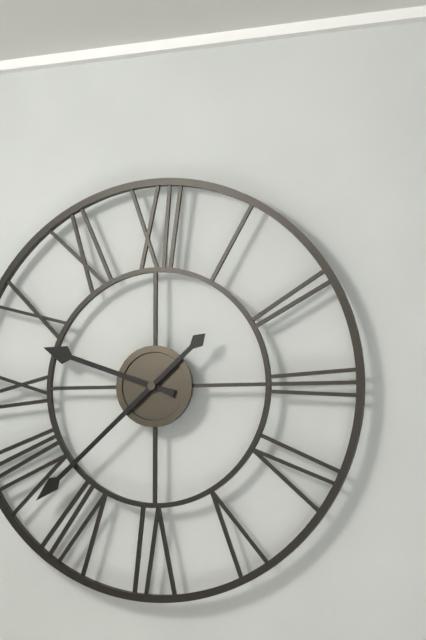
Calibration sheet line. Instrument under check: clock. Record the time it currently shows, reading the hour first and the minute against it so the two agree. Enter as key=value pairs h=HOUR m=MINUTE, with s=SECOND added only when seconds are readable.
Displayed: h=9 m=38
